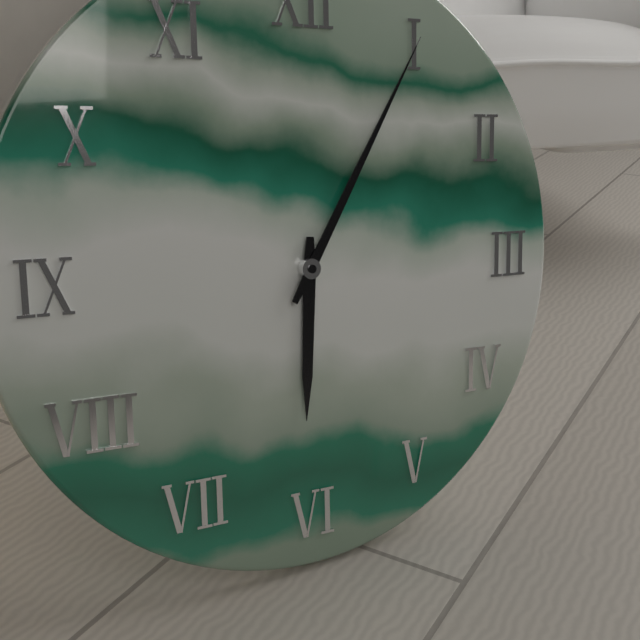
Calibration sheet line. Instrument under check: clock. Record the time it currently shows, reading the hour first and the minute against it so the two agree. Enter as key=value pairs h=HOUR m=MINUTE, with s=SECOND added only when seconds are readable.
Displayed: h=6 m=5
